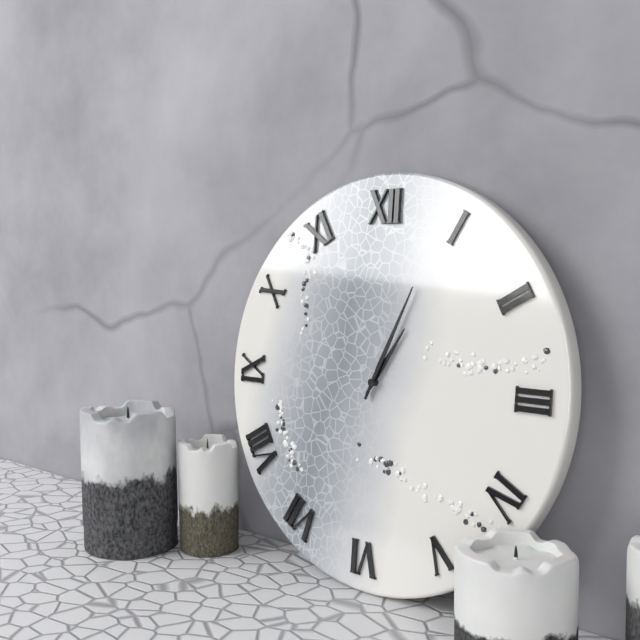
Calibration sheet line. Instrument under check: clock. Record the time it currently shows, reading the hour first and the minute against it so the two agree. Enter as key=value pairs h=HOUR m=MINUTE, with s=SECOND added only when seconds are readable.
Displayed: h=1 m=4
